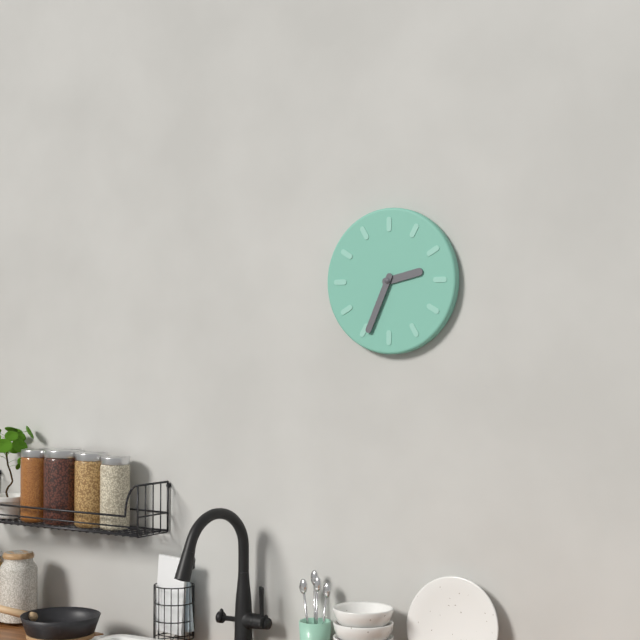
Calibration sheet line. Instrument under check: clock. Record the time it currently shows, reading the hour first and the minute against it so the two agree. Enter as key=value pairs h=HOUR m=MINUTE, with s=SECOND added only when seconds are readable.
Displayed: h=2 m=34
